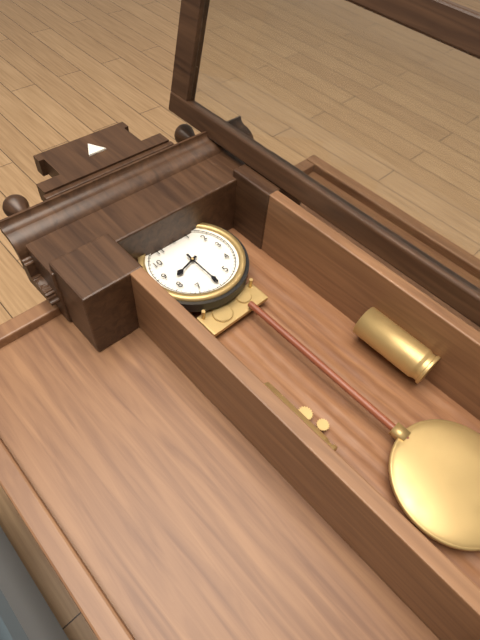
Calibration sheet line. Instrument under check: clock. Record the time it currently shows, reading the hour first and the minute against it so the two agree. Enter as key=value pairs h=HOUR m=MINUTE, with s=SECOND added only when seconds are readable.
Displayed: h=8 m=30
